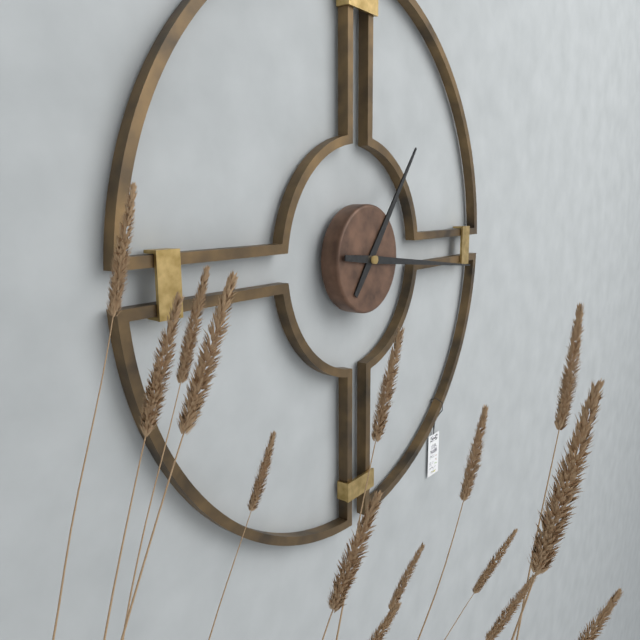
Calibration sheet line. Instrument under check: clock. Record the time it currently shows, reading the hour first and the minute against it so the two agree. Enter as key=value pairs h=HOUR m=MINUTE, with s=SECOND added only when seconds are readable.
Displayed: h=1 m=16
